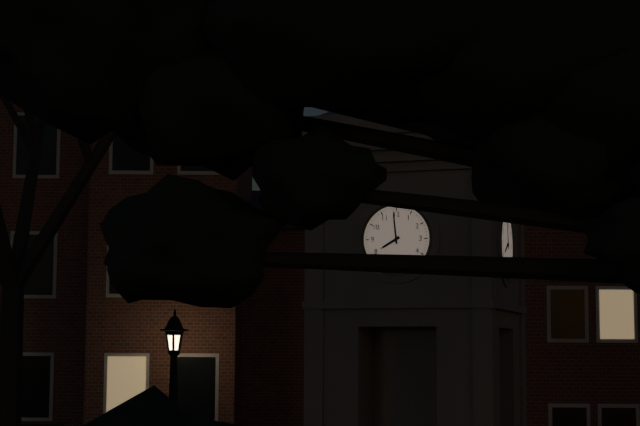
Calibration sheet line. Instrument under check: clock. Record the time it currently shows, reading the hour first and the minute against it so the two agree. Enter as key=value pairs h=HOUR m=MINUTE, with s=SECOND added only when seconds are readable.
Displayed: h=7 m=59
